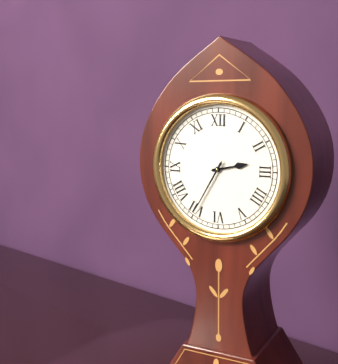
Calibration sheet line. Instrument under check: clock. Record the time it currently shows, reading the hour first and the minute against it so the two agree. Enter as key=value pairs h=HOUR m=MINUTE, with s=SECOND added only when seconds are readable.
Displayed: h=2 m=35
